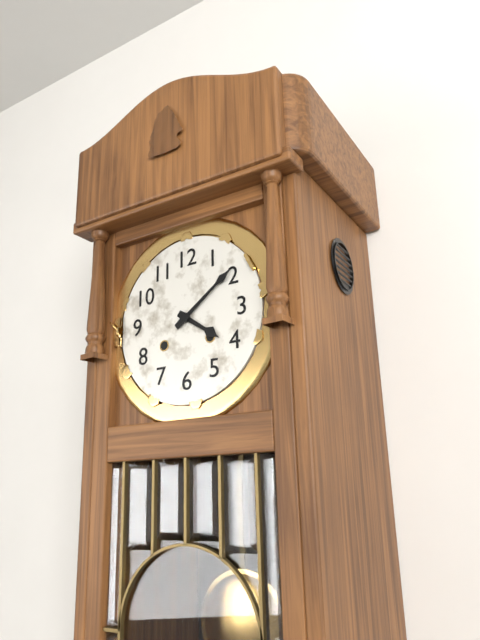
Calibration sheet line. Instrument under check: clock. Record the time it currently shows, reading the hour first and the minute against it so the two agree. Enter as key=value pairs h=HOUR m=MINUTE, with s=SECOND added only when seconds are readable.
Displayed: h=4 m=9
